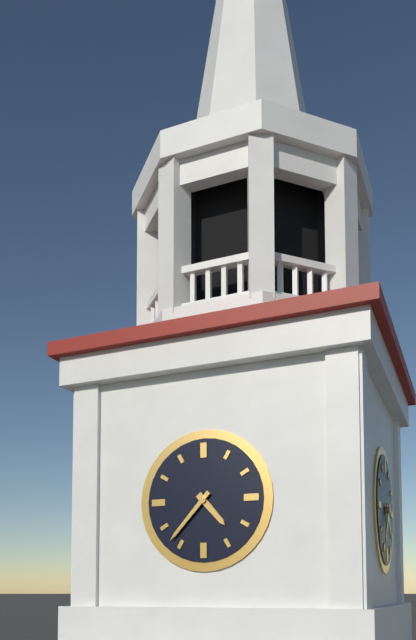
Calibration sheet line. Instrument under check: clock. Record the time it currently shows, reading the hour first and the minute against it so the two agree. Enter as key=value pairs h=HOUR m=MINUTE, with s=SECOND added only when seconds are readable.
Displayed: h=4 m=37
